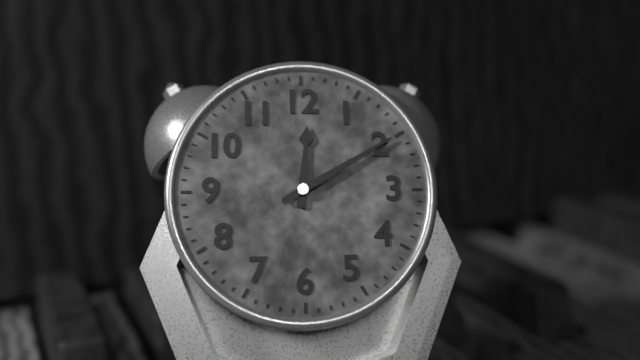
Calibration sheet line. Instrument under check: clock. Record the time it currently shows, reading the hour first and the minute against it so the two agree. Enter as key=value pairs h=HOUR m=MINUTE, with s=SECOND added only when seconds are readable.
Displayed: h=12 m=10
